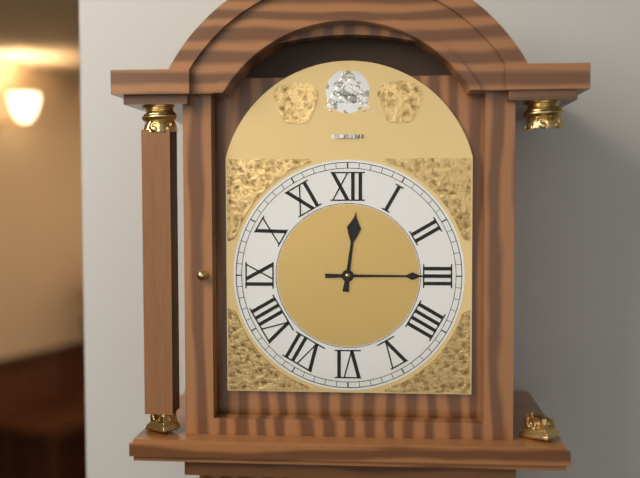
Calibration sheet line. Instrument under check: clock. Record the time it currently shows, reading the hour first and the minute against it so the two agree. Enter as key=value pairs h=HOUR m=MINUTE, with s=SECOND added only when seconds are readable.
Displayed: h=12 m=15
